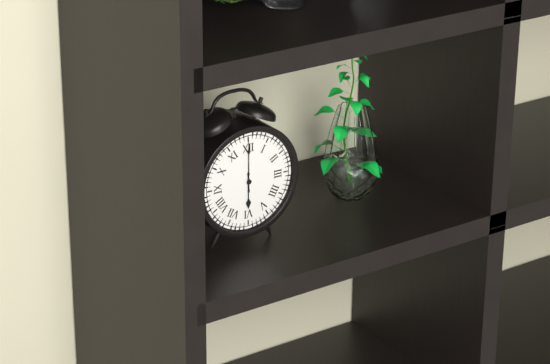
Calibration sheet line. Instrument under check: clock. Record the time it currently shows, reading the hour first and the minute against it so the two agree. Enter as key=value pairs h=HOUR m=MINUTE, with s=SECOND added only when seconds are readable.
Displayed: h=6 m=0
